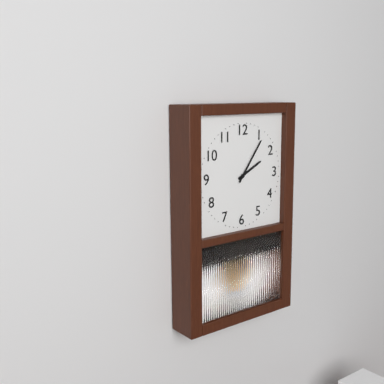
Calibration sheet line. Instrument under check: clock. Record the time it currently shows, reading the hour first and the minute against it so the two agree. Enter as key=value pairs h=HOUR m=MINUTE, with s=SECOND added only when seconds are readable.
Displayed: h=2 m=6
